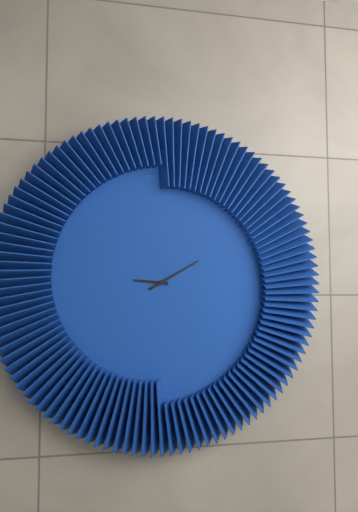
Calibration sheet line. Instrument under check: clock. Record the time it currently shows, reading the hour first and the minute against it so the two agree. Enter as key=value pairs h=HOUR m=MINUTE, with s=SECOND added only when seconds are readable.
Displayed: h=9 m=10
